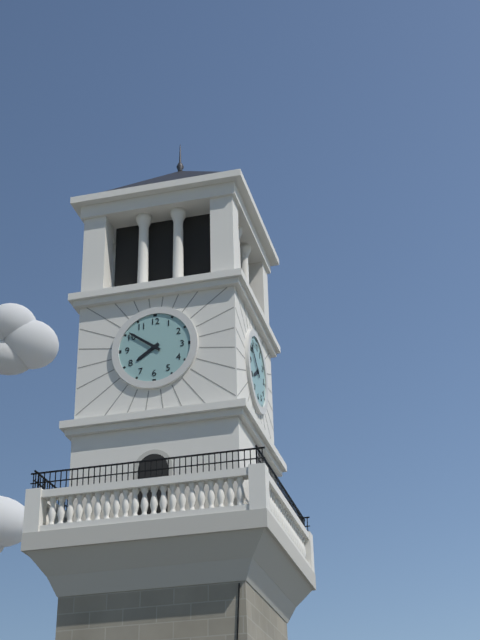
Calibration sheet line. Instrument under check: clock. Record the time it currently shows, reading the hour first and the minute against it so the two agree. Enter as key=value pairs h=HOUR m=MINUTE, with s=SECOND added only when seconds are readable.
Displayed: h=7 m=51
